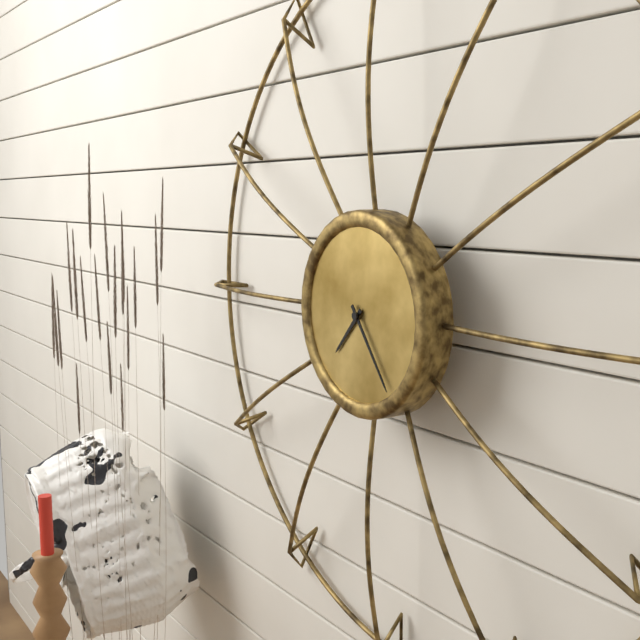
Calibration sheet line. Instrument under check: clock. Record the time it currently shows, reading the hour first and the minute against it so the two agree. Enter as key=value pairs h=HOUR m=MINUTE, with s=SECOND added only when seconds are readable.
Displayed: h=7 m=24
